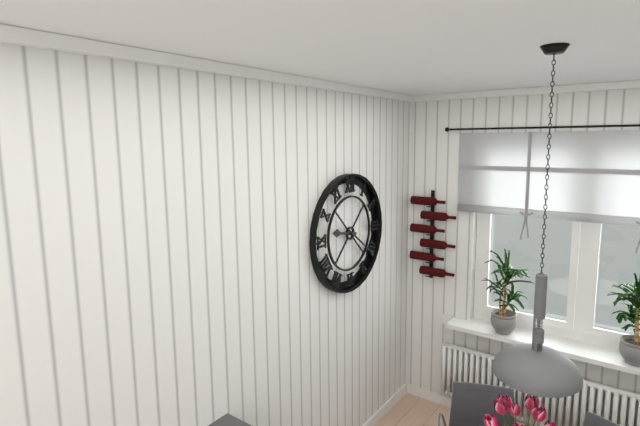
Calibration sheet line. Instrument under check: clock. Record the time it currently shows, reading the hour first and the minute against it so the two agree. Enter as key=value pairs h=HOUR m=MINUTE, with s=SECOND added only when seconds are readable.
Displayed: h=9 m=21
